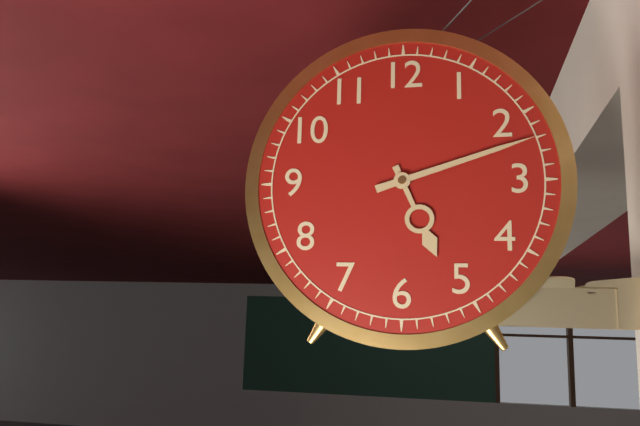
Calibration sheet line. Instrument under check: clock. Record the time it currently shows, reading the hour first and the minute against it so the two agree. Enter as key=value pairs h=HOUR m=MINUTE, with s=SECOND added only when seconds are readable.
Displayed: h=5 m=12
